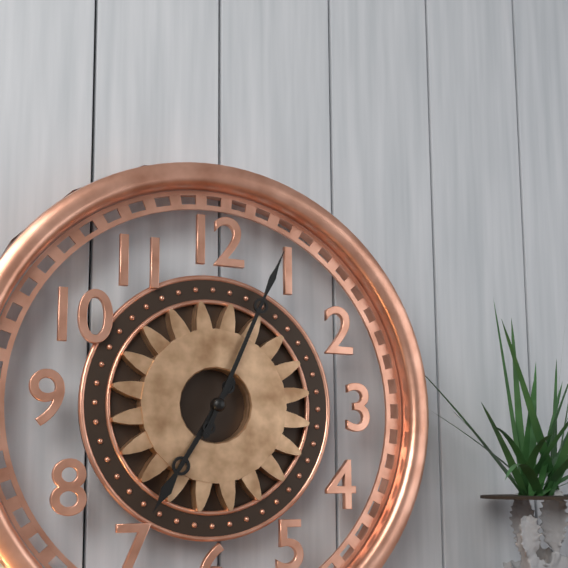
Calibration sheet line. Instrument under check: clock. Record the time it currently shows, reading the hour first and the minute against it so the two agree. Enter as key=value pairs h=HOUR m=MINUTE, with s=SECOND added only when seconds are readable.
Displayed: h=7 m=4
